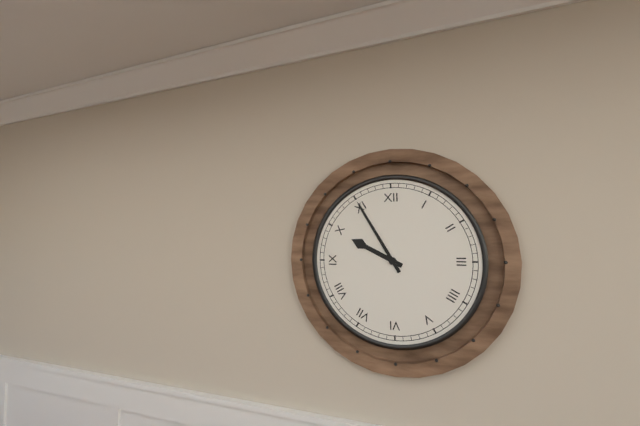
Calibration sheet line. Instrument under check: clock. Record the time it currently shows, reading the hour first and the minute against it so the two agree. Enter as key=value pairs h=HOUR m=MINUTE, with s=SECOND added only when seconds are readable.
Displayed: h=9 m=55
